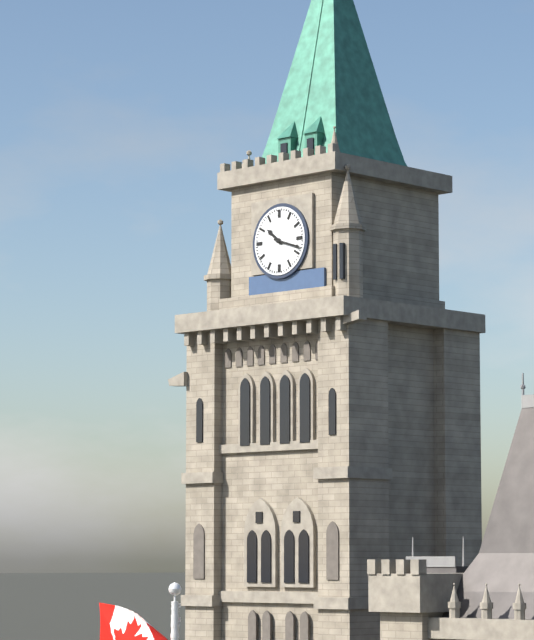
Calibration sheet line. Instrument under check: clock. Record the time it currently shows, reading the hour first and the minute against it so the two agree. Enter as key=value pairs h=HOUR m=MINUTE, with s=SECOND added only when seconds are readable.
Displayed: h=10 m=18
